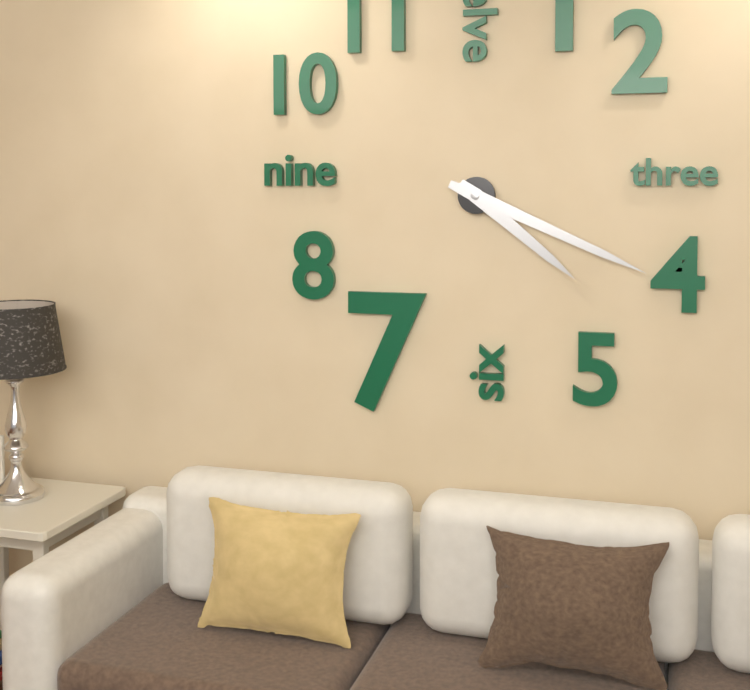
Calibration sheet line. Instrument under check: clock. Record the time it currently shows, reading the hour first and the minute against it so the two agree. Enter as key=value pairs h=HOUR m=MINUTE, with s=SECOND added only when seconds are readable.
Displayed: h=4 m=19
